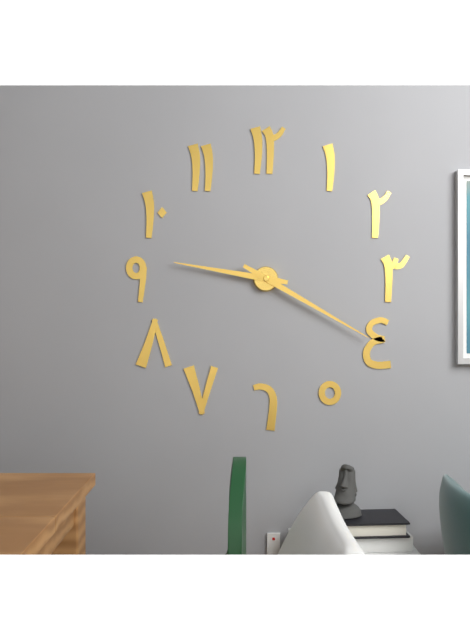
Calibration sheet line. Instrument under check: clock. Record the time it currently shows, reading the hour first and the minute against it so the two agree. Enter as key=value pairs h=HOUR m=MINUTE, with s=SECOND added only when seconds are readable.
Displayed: h=9 m=20
